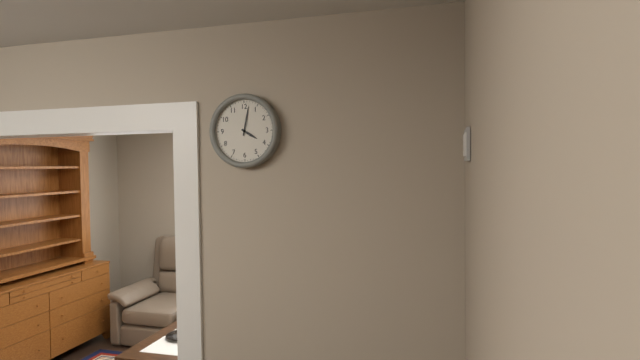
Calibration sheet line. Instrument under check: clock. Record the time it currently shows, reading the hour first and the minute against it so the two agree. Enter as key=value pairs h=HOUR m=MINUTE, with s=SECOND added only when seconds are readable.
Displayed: h=4 m=2
